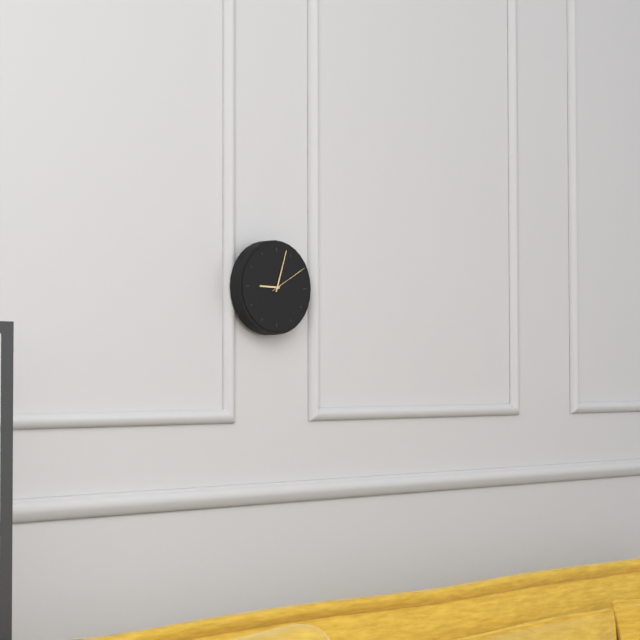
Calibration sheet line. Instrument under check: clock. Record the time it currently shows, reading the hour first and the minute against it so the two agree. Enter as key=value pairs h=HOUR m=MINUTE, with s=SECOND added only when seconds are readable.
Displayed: h=9 m=3
